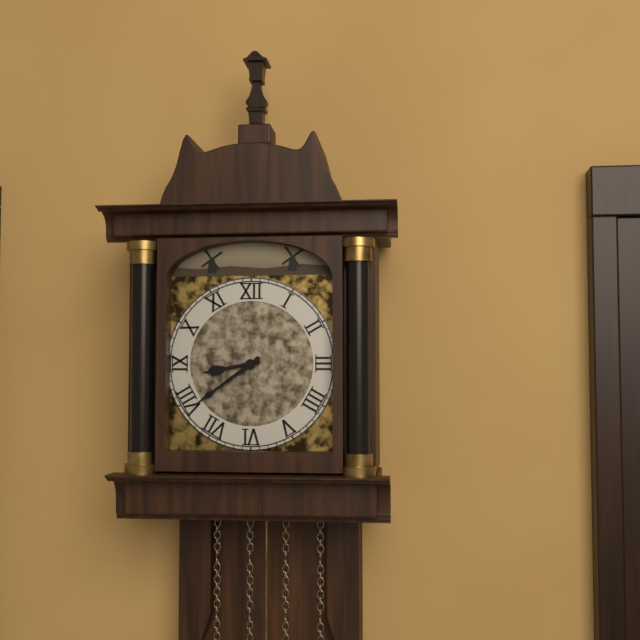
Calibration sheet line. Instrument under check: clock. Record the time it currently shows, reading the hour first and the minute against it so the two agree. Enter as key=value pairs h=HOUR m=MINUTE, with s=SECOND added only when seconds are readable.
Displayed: h=8 m=39
